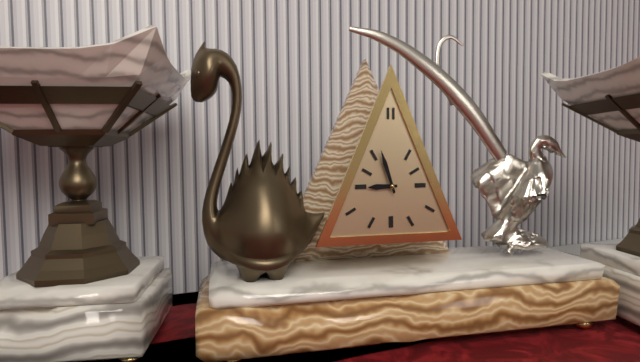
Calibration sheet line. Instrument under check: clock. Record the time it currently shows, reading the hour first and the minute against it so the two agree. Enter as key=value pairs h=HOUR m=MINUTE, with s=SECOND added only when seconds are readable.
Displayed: h=8 m=57
